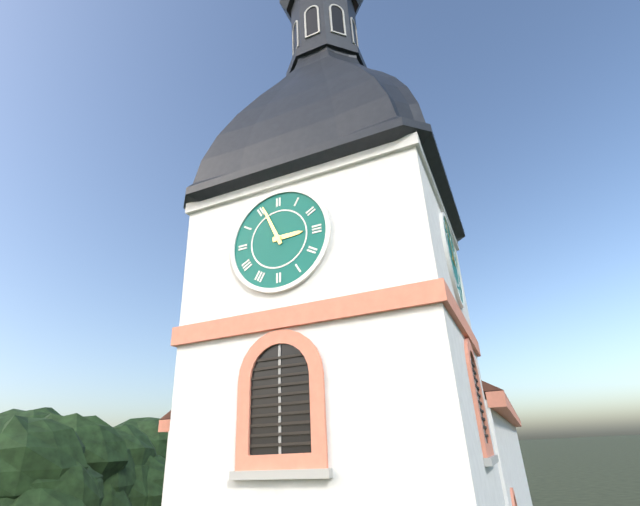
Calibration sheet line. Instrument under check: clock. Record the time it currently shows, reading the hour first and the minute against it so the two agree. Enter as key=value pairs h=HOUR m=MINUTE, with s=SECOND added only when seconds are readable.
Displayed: h=2 m=56
